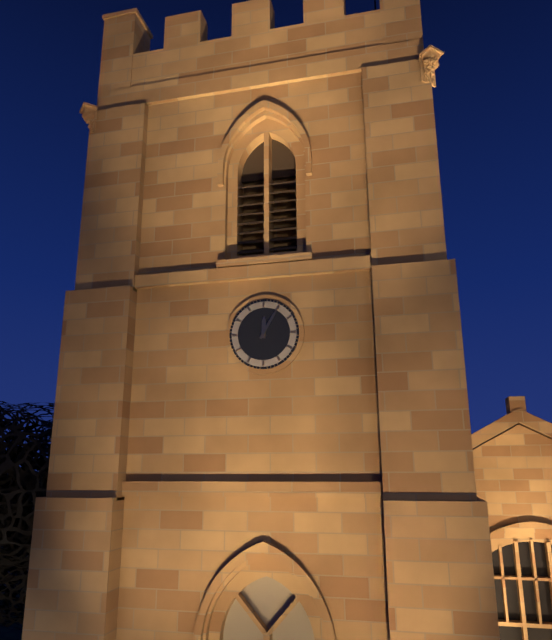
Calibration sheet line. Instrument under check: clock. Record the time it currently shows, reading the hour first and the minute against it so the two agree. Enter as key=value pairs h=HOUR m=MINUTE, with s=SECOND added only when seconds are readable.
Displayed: h=12 m=5
